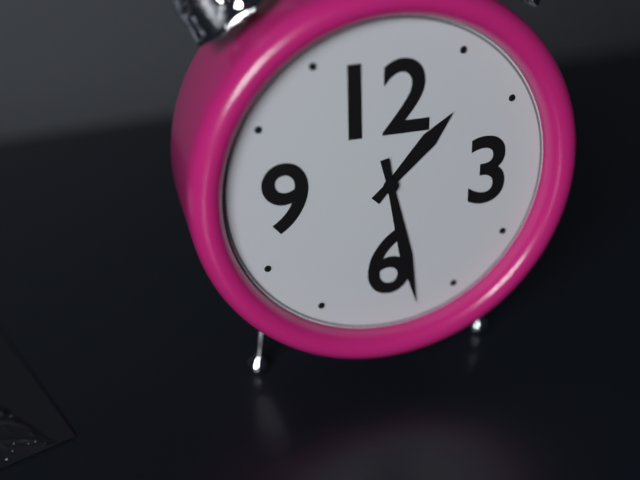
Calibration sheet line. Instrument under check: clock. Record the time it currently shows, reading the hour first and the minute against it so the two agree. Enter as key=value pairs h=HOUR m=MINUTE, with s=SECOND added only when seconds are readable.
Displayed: h=1 m=28
